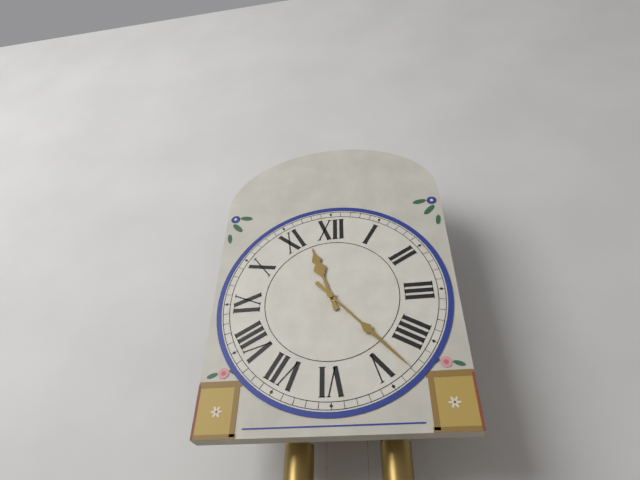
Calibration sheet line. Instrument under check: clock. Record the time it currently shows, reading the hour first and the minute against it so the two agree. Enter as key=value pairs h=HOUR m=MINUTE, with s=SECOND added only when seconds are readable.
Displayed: h=11 m=23
